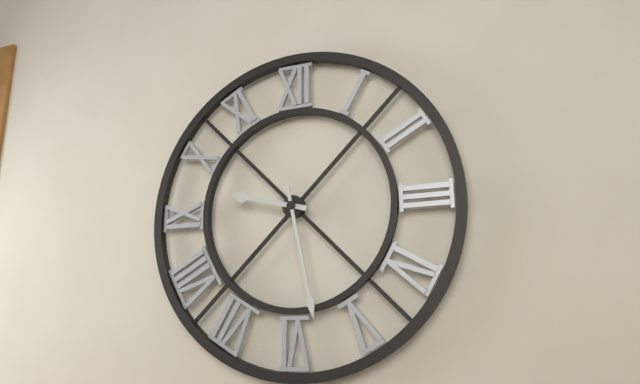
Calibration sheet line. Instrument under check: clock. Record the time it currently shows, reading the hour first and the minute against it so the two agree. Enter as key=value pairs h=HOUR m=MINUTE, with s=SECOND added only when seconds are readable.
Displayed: h=9 m=28
